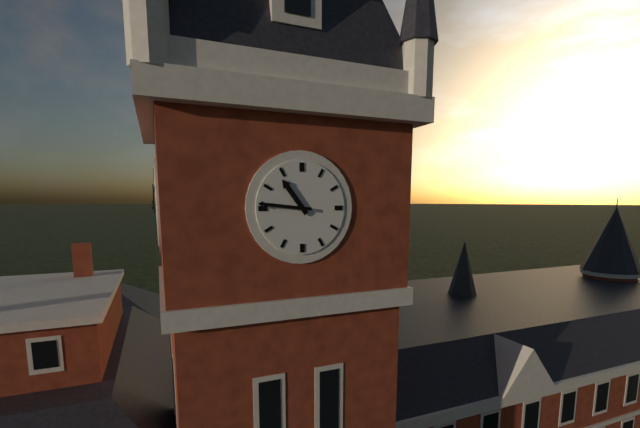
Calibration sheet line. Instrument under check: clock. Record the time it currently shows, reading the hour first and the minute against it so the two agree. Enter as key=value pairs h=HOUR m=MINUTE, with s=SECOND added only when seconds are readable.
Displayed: h=10 m=46
